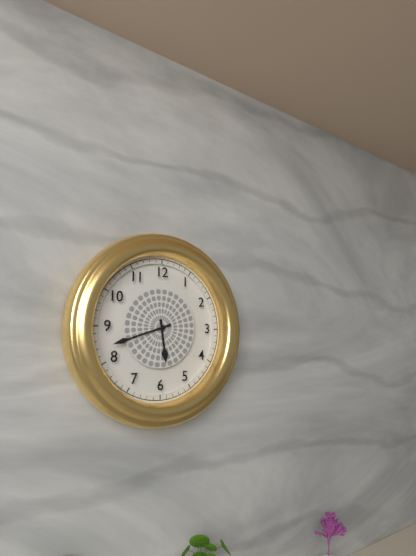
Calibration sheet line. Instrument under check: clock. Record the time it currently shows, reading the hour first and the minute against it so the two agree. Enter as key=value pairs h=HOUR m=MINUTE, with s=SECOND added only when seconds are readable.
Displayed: h=5 m=42
